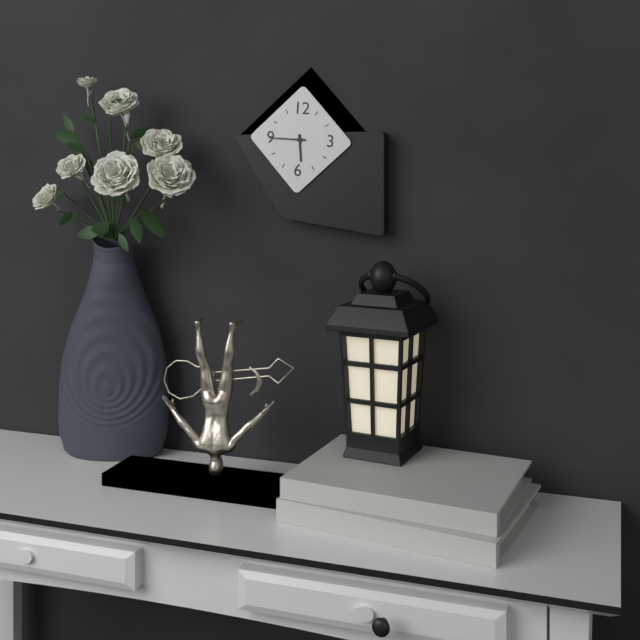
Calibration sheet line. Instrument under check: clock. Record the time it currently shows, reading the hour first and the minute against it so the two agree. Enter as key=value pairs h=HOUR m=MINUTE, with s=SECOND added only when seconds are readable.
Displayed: h=5 m=45
